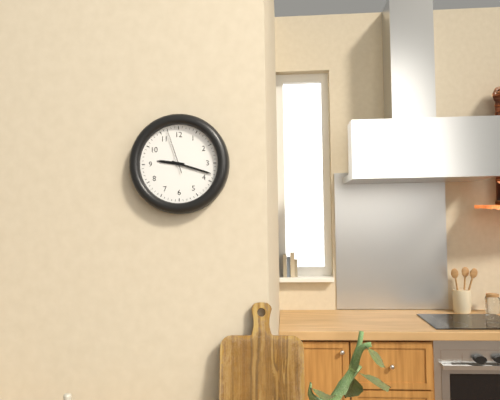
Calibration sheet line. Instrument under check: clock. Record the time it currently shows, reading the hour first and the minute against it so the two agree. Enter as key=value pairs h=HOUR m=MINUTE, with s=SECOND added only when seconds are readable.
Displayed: h=9 m=18
